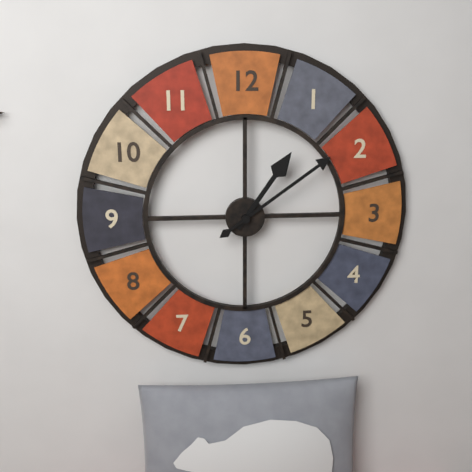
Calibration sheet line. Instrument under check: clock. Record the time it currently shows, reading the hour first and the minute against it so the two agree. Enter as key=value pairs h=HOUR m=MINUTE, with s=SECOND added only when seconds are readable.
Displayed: h=1 m=9
